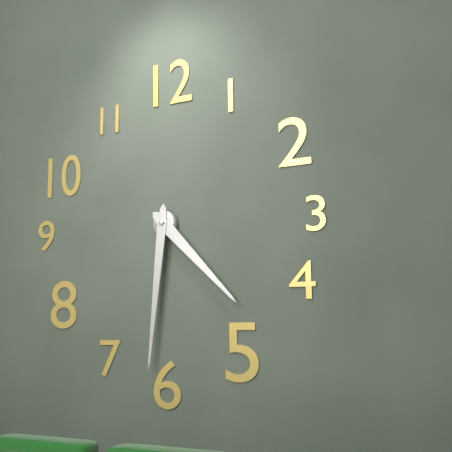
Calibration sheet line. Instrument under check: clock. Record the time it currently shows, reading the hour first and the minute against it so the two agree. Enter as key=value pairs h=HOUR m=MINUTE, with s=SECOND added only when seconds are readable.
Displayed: h=4 m=31
